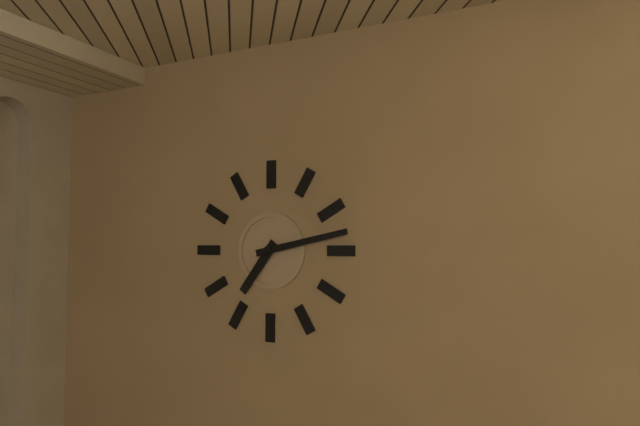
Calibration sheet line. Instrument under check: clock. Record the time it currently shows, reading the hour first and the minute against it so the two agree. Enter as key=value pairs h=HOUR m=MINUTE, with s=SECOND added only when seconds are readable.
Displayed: h=7 m=13
